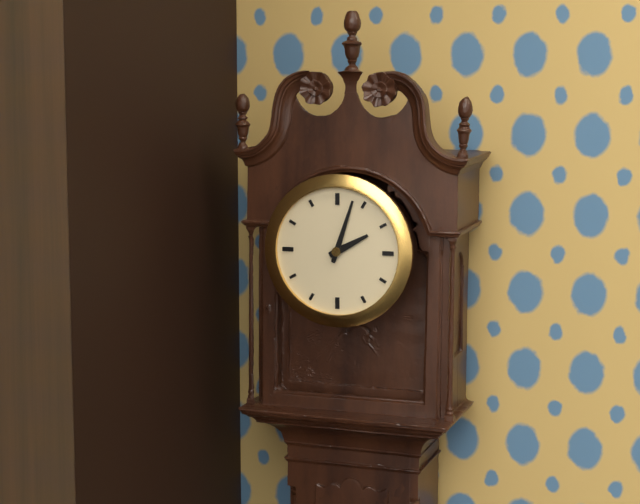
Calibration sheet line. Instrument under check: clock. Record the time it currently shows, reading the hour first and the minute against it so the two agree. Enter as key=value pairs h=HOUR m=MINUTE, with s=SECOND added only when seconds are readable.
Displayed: h=2 m=3
